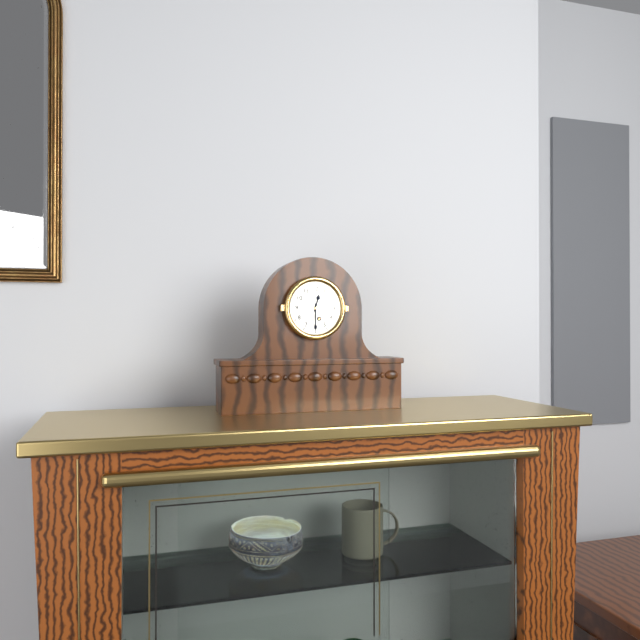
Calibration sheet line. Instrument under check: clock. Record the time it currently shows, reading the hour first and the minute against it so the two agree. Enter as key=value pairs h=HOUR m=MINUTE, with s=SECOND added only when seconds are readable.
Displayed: h=12 m=30
